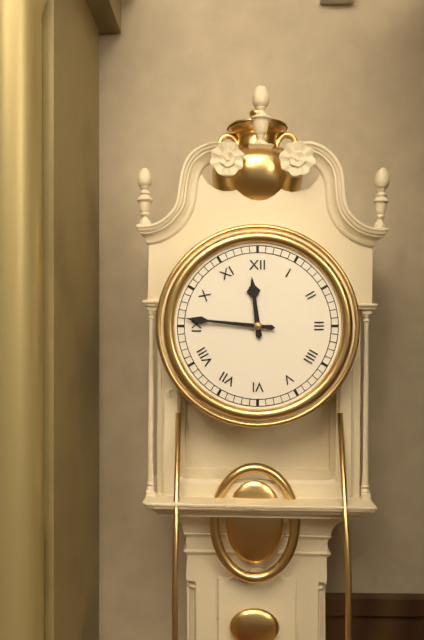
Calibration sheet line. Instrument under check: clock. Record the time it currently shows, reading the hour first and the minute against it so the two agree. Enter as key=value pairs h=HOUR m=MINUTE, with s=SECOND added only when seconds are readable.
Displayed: h=11 m=46
